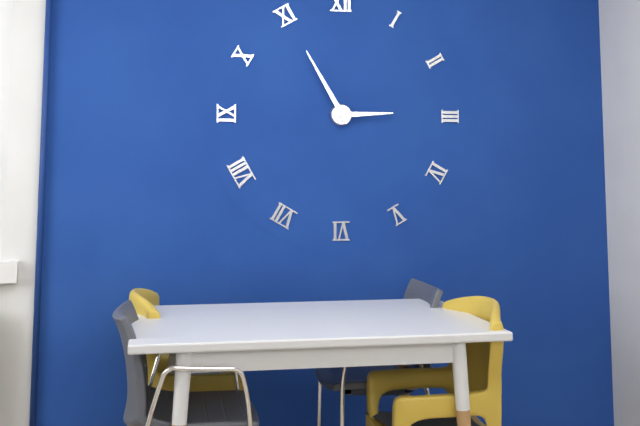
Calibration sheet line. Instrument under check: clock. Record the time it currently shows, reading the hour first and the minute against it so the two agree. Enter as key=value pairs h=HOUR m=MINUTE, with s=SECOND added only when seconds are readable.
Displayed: h=2 m=55
